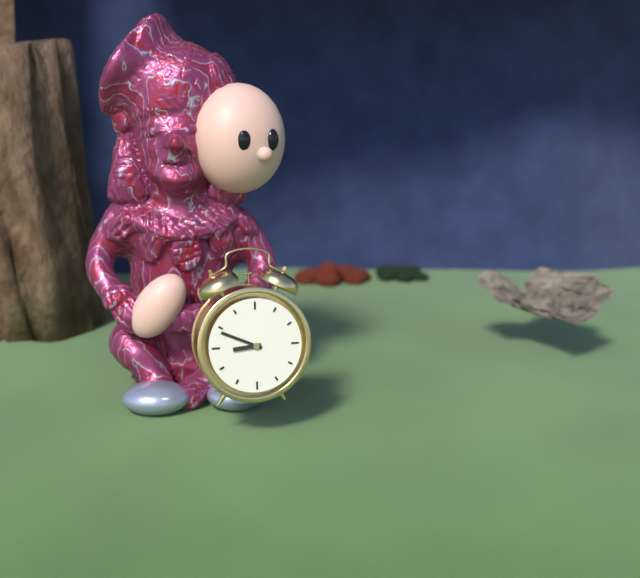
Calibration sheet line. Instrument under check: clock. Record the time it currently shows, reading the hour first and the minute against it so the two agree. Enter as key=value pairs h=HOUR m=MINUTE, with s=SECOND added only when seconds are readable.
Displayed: h=8 m=49
